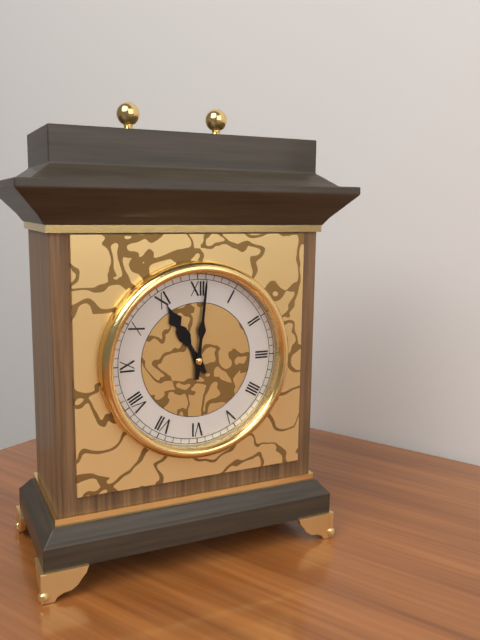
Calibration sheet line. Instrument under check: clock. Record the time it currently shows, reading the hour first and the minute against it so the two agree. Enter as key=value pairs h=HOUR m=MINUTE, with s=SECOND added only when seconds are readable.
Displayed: h=11 m=1
